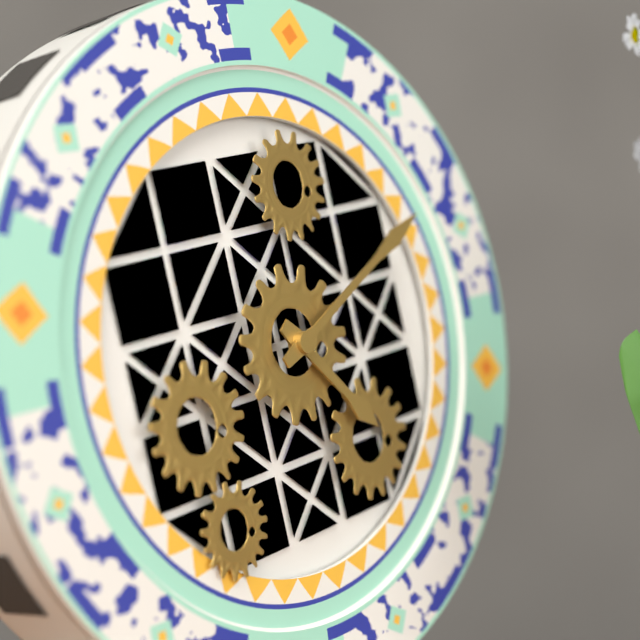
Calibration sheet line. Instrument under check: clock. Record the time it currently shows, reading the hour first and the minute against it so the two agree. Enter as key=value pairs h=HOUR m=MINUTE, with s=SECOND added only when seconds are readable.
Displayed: h=4 m=8
